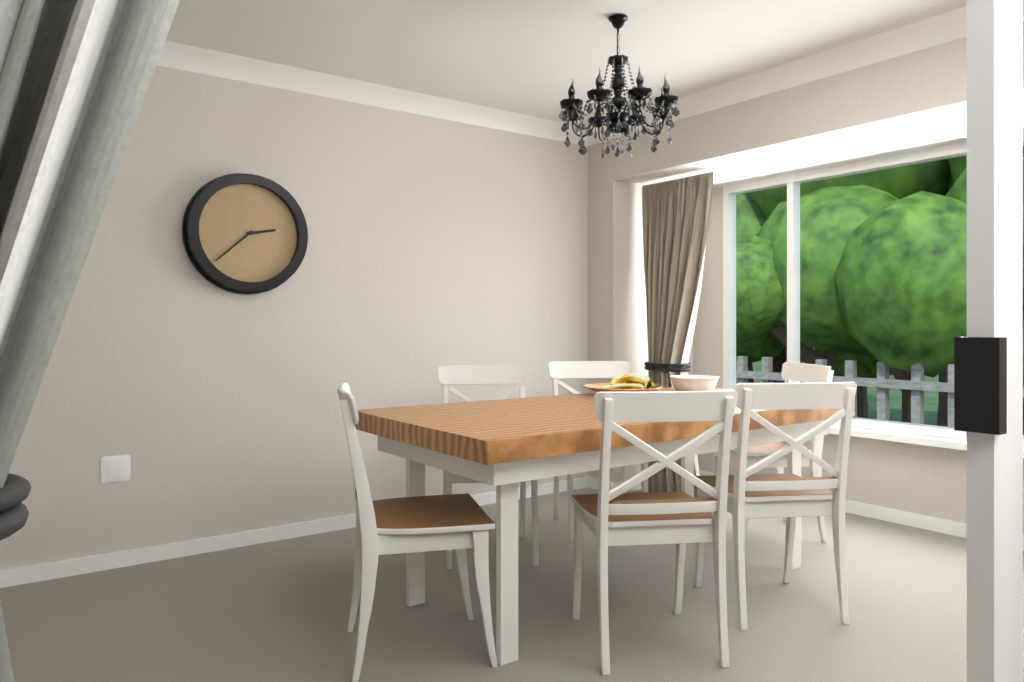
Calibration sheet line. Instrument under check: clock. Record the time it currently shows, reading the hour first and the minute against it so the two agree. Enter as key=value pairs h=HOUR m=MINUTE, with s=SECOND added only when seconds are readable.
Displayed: h=2 m=38
